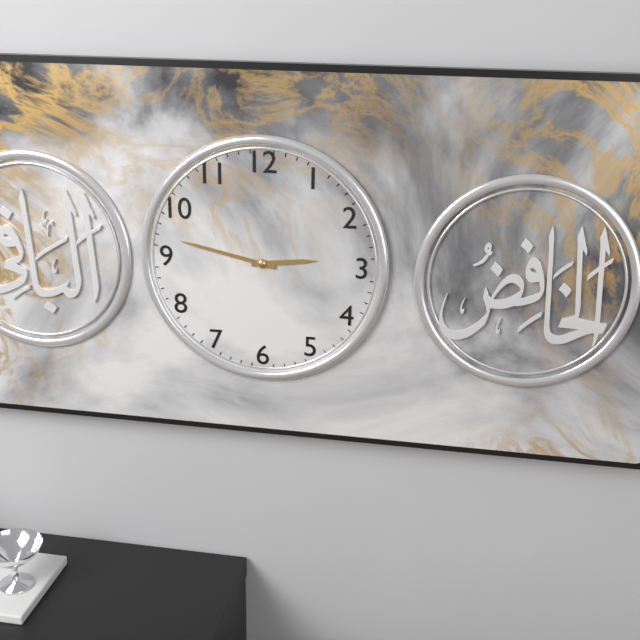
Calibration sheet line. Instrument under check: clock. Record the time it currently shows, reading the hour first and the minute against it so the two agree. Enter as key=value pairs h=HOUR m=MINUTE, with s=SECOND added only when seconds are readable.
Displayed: h=2 m=47
